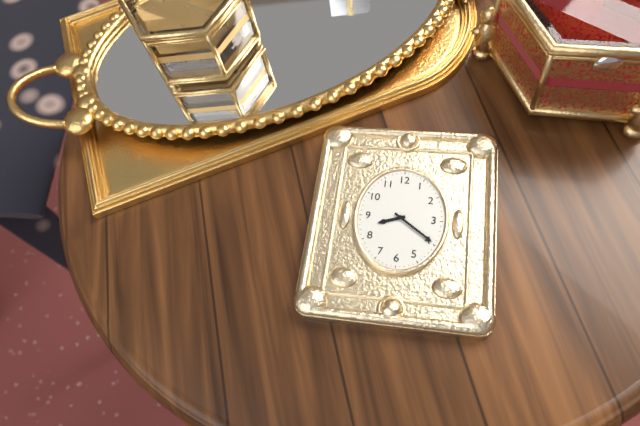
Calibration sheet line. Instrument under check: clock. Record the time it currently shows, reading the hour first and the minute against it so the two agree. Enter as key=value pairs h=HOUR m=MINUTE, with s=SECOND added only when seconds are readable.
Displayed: h=8 m=21
